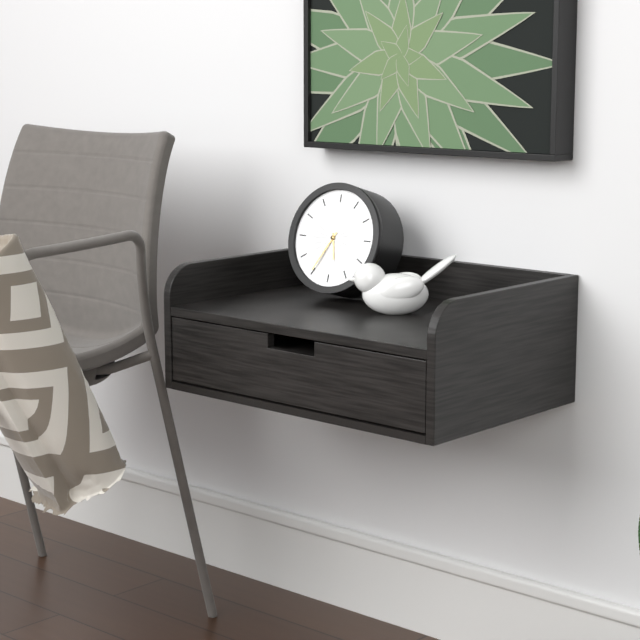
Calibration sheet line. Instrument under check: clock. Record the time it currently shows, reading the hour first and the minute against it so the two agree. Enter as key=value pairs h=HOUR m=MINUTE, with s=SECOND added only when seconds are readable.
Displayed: h=5 m=35
